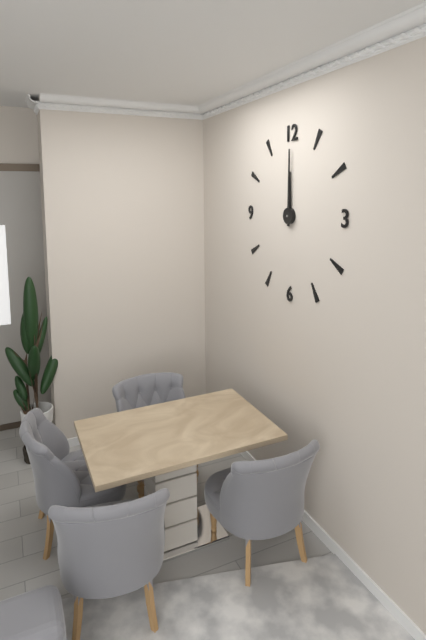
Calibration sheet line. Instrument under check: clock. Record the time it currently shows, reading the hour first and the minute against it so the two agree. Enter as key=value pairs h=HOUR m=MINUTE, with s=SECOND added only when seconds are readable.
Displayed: h=12 m=0
